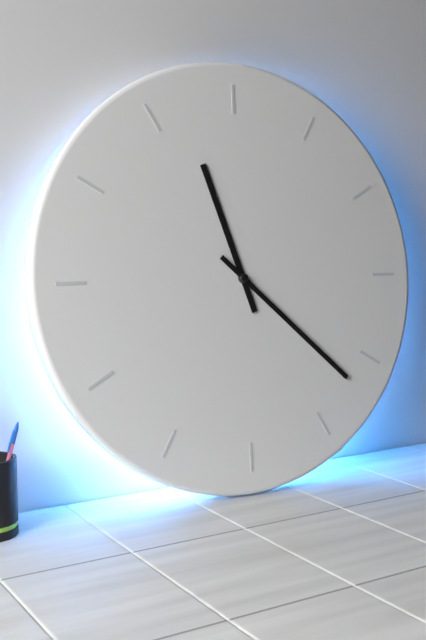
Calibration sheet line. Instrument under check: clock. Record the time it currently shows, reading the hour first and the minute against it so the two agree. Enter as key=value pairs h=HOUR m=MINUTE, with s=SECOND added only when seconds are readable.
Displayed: h=11 m=22
